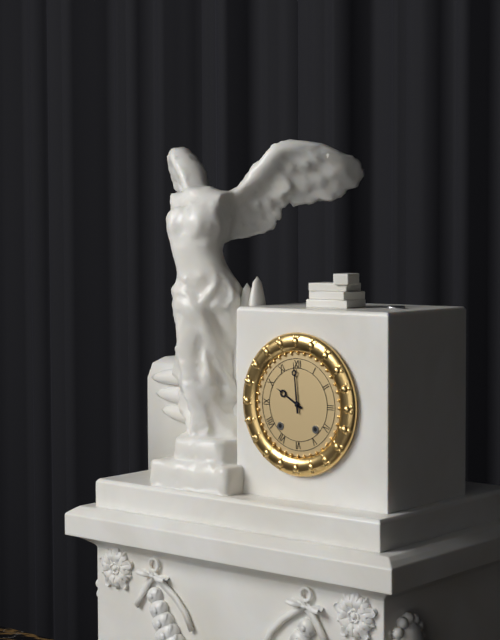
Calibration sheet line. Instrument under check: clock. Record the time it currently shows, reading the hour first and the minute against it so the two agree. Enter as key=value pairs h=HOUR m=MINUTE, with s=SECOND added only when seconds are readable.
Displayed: h=9 m=59
